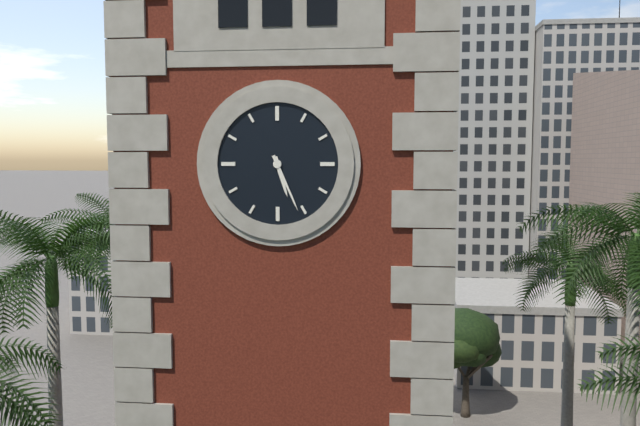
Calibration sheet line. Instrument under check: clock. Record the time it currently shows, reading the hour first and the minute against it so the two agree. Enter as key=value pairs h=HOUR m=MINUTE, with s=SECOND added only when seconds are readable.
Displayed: h=5 m=26
